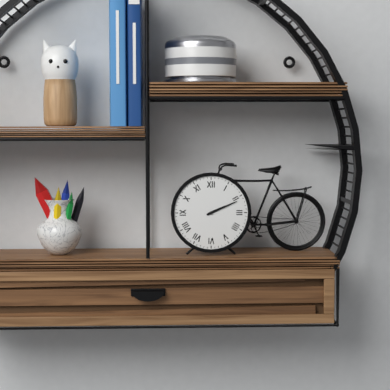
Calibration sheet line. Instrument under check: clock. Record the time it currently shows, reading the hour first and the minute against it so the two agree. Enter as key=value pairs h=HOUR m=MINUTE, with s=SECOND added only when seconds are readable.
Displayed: h=2 m=11
